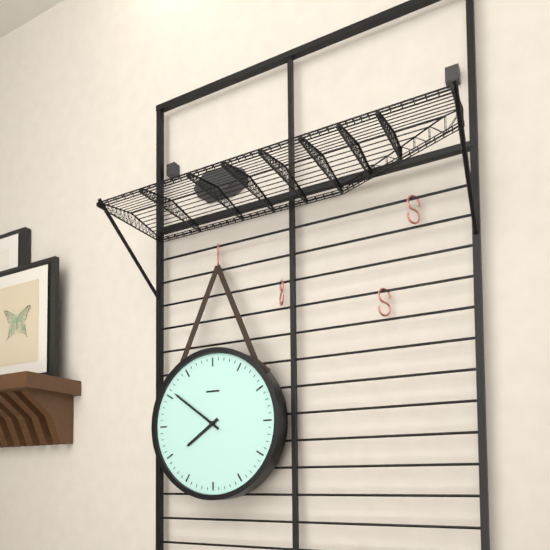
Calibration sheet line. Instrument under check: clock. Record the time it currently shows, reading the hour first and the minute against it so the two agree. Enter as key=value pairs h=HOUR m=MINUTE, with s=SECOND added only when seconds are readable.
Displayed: h=7 m=51
